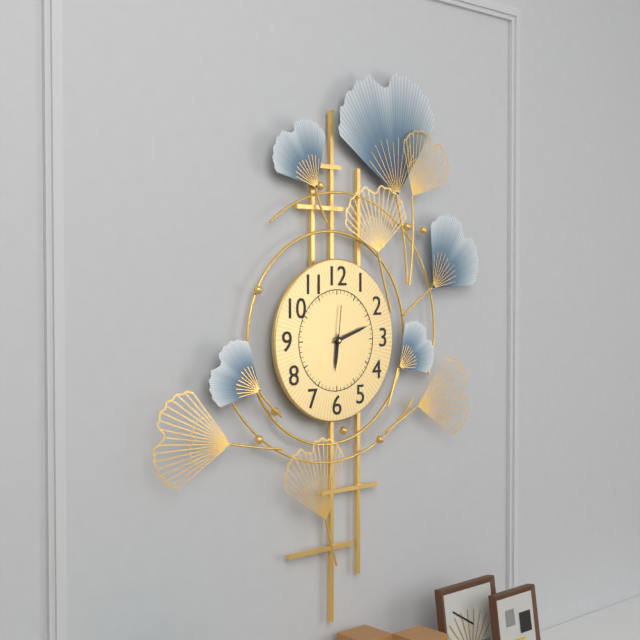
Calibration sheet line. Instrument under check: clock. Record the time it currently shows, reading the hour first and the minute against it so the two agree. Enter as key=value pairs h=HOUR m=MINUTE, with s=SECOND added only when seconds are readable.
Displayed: h=6 m=12
